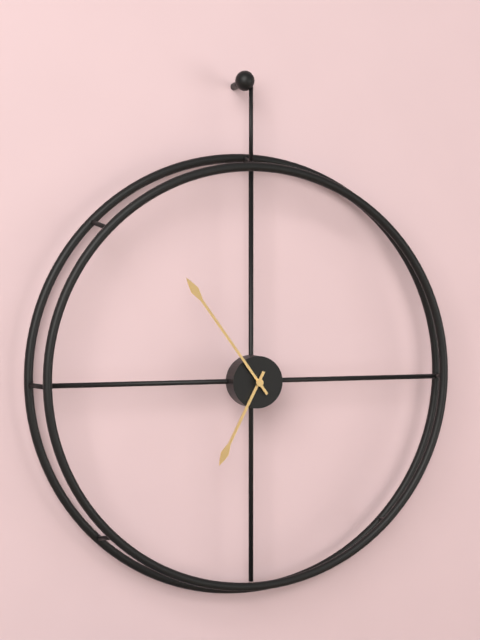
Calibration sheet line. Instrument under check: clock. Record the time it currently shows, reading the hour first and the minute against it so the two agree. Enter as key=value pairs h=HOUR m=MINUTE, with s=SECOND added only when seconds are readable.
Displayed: h=6 m=54
